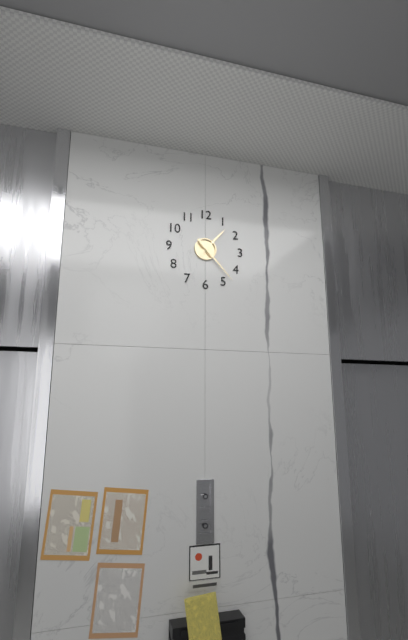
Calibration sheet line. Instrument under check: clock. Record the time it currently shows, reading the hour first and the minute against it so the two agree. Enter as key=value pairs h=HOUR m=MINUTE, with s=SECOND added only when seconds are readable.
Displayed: h=1 m=23
